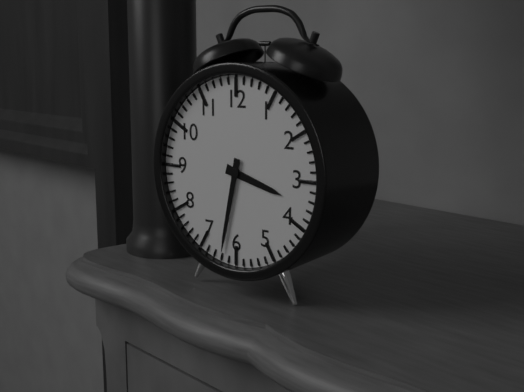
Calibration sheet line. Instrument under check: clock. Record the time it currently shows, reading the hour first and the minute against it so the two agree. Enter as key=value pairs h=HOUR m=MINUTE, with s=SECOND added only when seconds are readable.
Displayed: h=3 m=32
